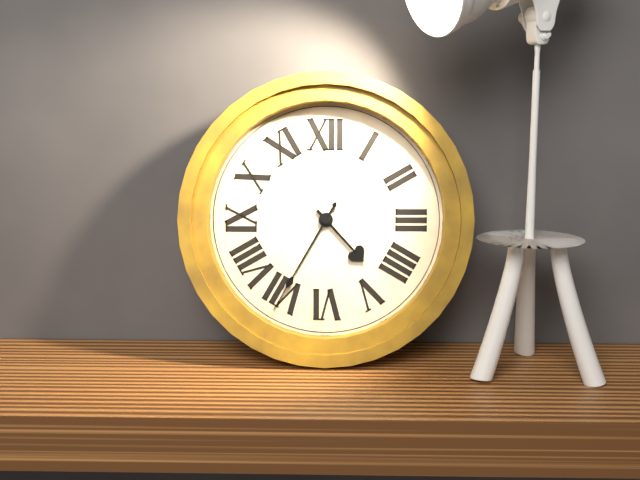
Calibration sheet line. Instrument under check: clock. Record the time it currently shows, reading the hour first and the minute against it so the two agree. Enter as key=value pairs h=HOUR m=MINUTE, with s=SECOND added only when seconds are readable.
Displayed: h=4 m=35
